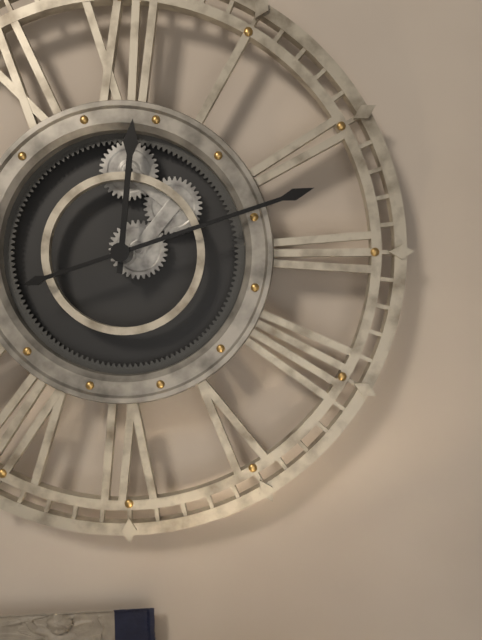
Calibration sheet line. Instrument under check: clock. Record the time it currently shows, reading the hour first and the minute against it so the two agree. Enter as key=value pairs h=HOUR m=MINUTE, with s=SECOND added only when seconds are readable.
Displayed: h=12 m=12
